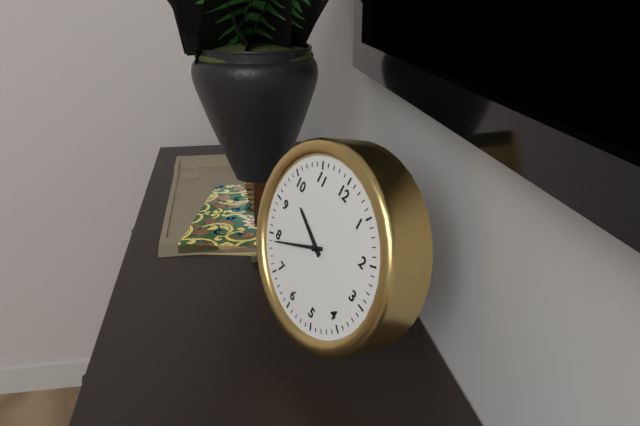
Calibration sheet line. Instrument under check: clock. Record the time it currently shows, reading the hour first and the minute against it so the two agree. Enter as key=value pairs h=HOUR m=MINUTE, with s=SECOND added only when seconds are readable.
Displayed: h=9 m=39
